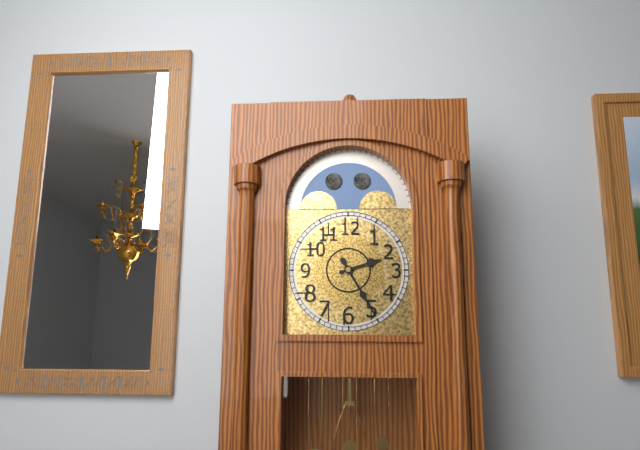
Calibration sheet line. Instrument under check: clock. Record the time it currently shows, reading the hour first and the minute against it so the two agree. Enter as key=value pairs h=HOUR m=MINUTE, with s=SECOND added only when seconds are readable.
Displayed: h=2 m=25
